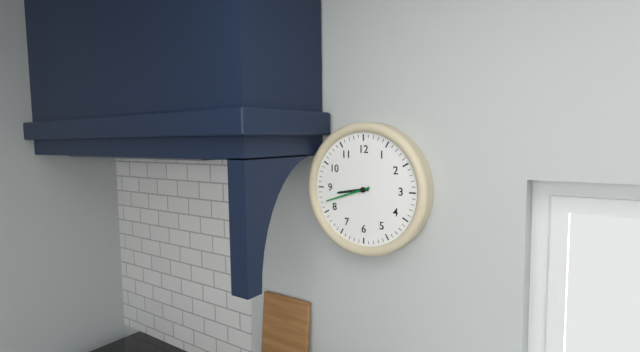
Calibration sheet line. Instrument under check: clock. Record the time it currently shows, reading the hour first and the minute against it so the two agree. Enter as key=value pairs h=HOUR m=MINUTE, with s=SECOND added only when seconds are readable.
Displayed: h=8 m=42
